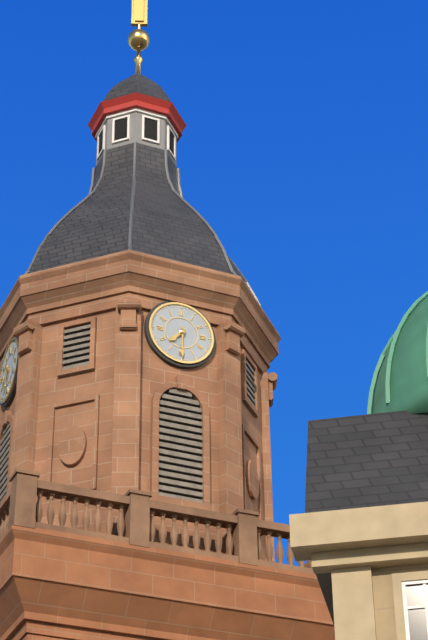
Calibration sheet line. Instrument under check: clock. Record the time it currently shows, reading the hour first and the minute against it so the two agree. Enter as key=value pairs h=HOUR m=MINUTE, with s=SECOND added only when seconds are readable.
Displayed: h=7 m=30
